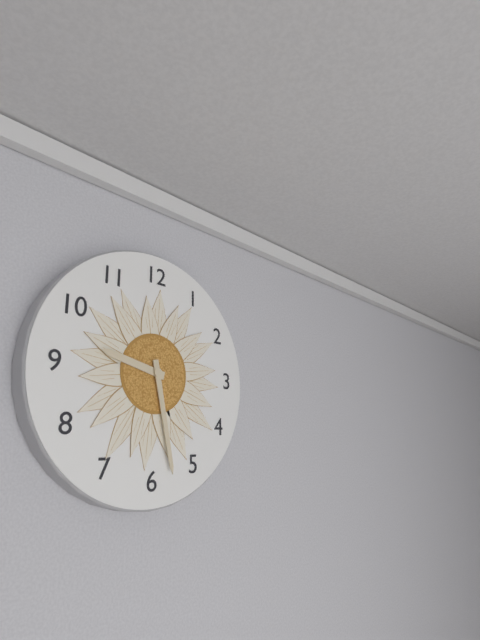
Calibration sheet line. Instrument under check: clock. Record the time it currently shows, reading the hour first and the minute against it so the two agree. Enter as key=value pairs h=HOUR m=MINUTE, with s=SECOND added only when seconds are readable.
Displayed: h=9 m=28
